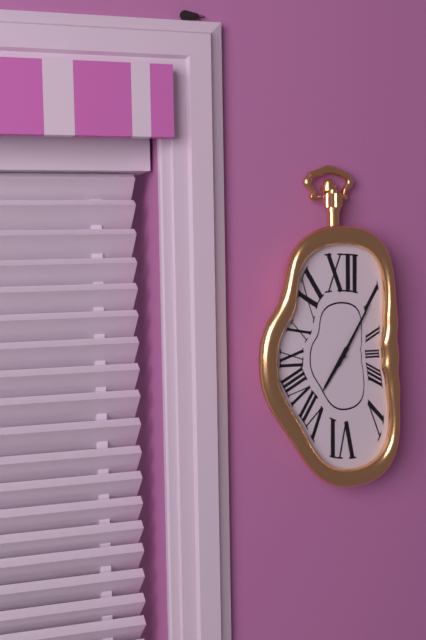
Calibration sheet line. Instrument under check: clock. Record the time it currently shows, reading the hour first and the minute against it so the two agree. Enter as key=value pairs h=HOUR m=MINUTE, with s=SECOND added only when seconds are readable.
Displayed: h=7 m=5
